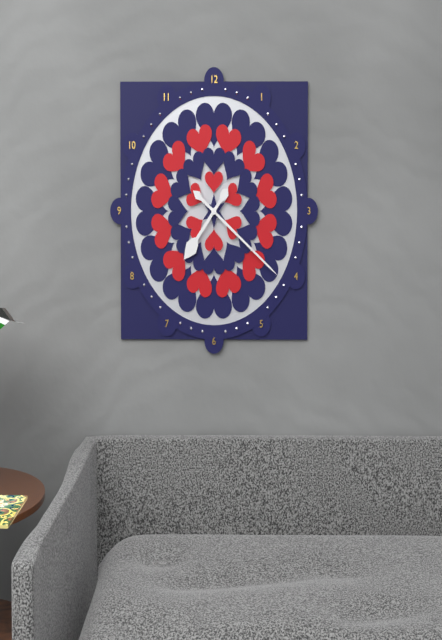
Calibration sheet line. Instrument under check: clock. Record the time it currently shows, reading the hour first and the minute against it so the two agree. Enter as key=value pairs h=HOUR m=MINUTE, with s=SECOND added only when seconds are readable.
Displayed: h=7 m=21
